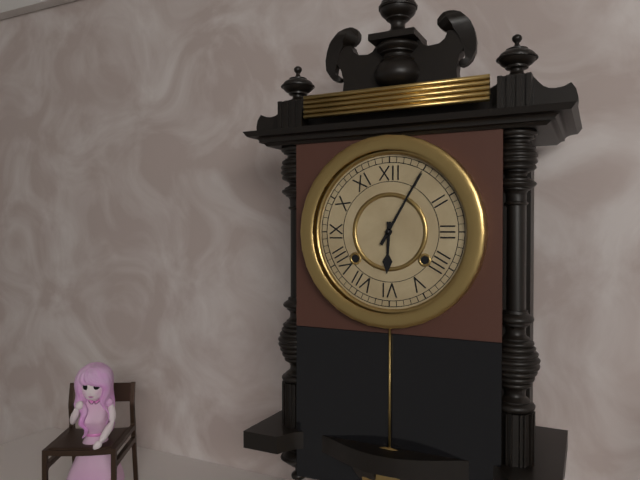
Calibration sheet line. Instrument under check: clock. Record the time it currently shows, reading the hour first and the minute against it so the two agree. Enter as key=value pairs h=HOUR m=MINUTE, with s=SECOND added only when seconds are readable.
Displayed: h=6 m=5
